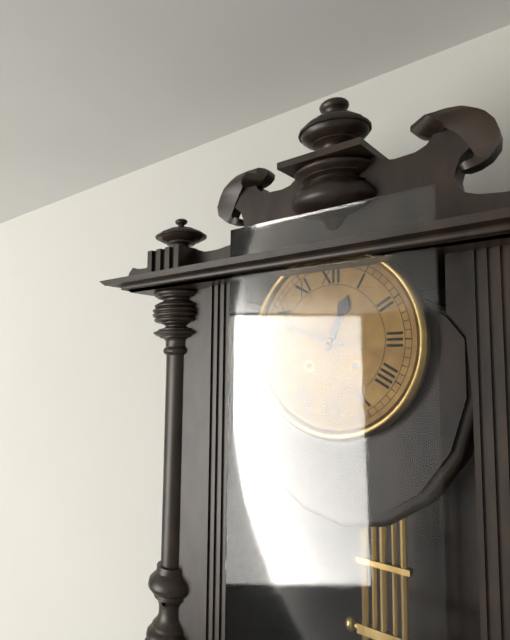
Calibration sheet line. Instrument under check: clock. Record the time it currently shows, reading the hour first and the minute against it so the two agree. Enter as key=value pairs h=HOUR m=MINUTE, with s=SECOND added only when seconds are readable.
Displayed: h=12 m=48
